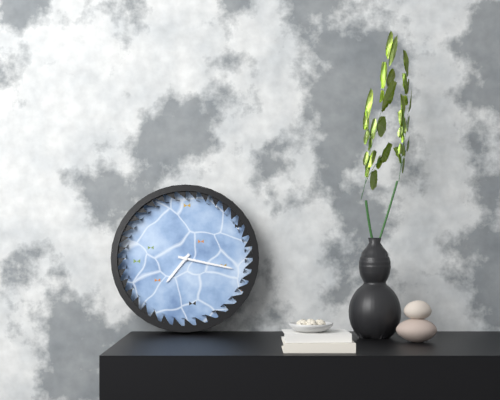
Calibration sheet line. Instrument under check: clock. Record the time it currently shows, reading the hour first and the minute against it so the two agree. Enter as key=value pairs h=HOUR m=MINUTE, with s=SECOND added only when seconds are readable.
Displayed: h=7 m=17
